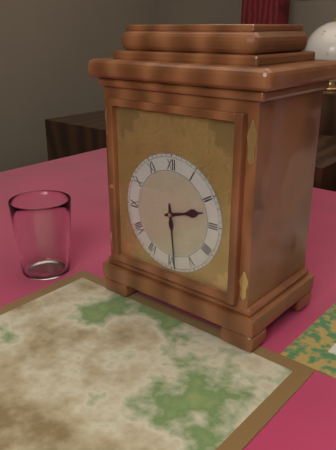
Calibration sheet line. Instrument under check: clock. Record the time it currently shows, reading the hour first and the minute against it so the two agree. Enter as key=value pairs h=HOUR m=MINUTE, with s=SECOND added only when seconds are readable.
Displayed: h=2 m=29
